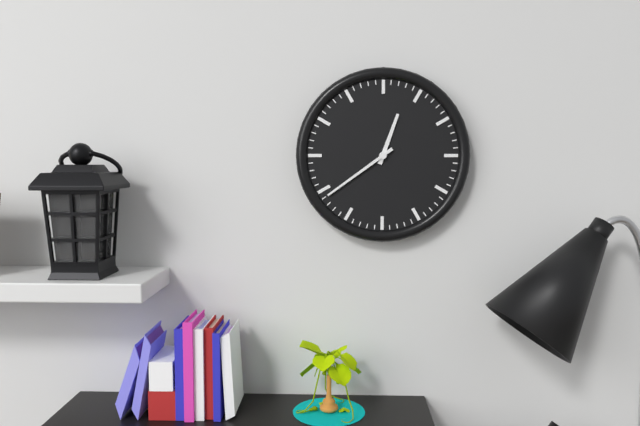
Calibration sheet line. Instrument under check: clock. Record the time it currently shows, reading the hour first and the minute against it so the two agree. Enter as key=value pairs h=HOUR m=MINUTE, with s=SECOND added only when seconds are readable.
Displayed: h=12 m=39
